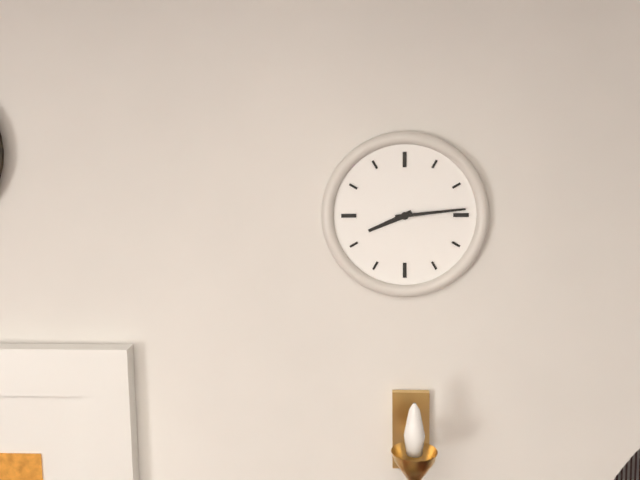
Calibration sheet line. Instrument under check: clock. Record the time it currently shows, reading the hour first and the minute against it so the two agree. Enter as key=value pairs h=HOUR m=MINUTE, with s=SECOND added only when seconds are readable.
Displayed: h=8 m=14
